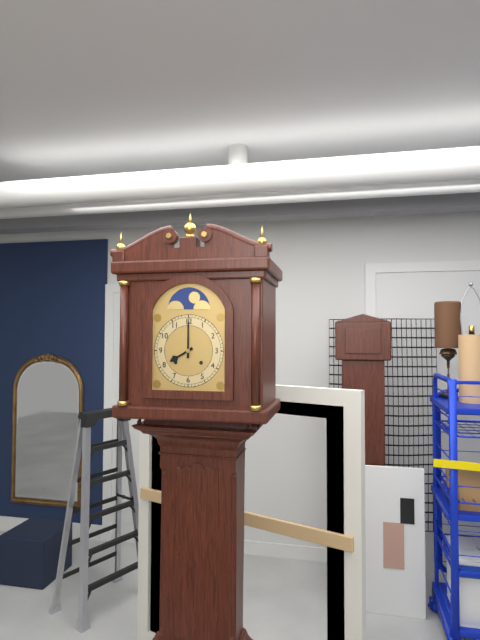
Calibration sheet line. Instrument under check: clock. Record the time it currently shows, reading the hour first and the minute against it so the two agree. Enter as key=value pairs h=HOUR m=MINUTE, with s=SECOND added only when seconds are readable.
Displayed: h=8 m=0
